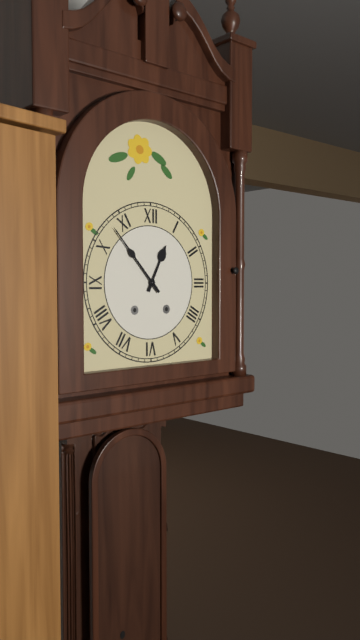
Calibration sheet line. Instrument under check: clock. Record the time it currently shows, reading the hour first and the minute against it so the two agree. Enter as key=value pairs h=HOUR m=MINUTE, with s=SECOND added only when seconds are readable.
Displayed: h=12 m=53
